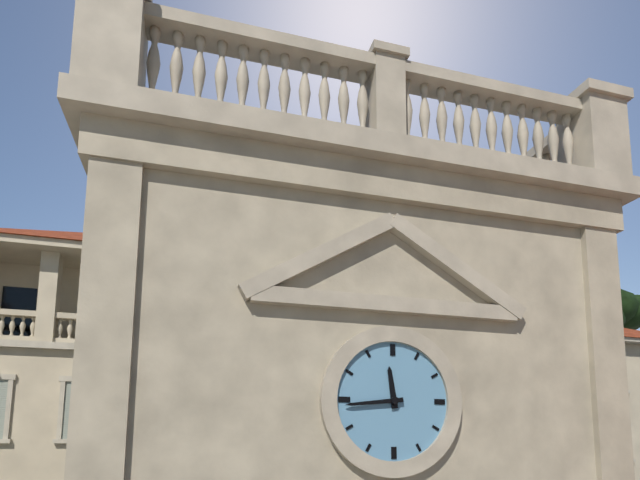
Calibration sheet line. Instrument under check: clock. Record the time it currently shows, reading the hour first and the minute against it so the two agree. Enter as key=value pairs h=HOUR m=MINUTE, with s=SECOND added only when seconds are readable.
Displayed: h=11 m=44
